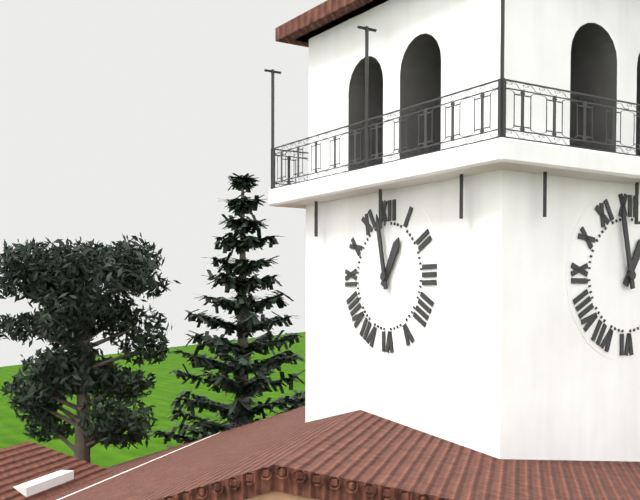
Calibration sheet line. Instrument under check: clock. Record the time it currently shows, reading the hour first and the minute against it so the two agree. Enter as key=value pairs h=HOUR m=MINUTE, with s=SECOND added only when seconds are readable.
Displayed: h=12 m=58
